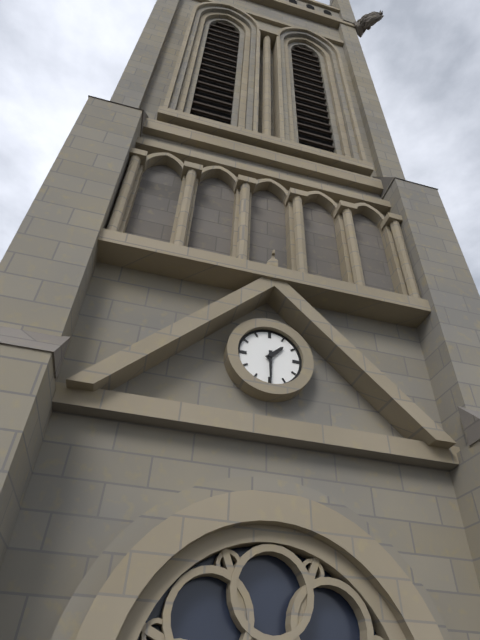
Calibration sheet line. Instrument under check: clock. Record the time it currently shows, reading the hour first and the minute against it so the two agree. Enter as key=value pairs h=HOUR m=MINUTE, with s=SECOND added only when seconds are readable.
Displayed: h=1 m=30
